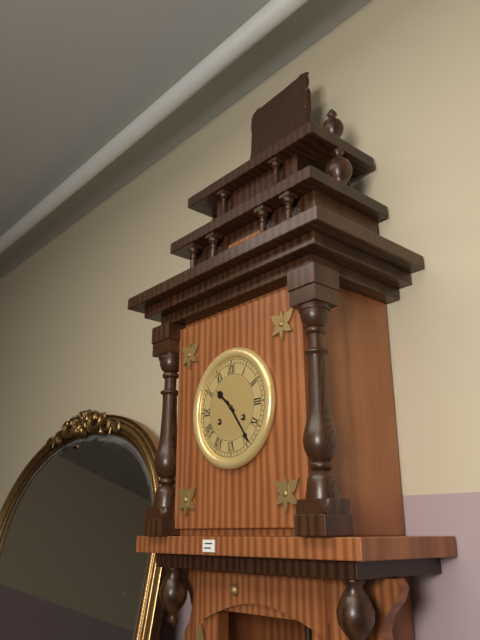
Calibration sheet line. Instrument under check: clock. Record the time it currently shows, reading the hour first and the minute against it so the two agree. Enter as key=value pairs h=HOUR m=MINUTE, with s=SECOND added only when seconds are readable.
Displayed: h=10 m=24
